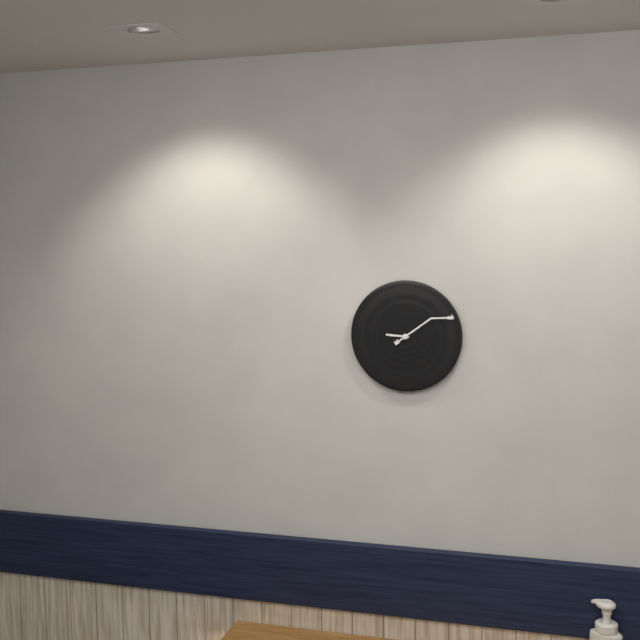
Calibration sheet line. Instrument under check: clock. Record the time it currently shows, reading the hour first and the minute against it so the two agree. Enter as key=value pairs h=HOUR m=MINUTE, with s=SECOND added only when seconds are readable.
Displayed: h=9 m=9
